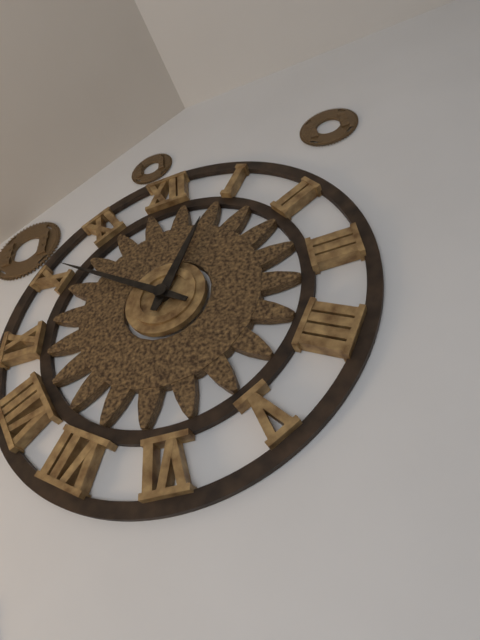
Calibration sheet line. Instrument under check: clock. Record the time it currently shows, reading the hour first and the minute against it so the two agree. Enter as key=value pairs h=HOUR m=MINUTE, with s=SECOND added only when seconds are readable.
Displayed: h=12 m=51
